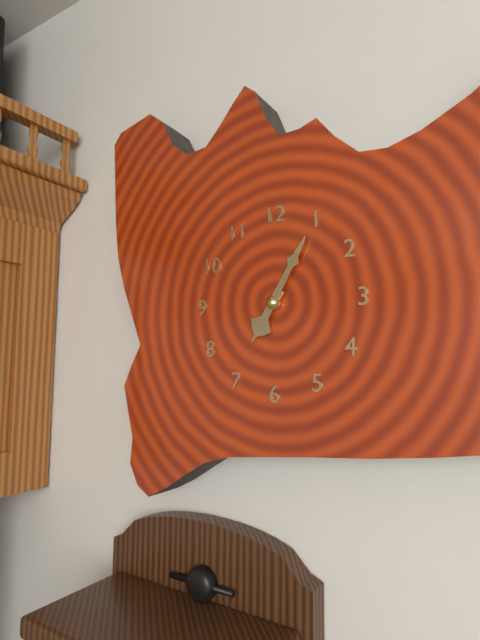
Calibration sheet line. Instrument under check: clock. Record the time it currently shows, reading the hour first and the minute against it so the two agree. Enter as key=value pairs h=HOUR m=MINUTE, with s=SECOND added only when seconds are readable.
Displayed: h=7 m=5
